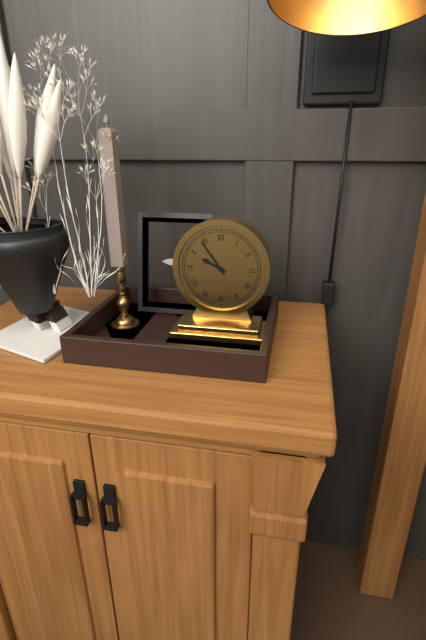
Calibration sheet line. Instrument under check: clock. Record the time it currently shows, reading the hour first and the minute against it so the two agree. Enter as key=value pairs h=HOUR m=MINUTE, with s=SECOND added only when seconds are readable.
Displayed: h=9 m=54
